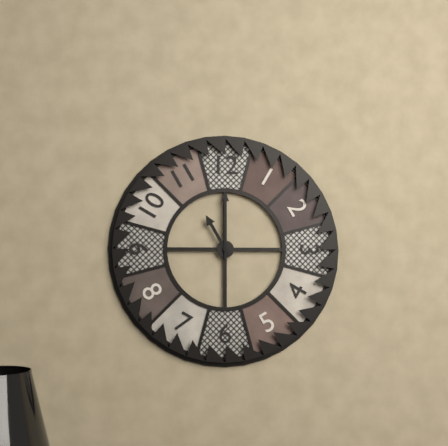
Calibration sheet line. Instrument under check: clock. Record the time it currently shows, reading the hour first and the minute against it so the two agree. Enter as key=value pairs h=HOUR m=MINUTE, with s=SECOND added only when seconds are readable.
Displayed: h=11 m=0
